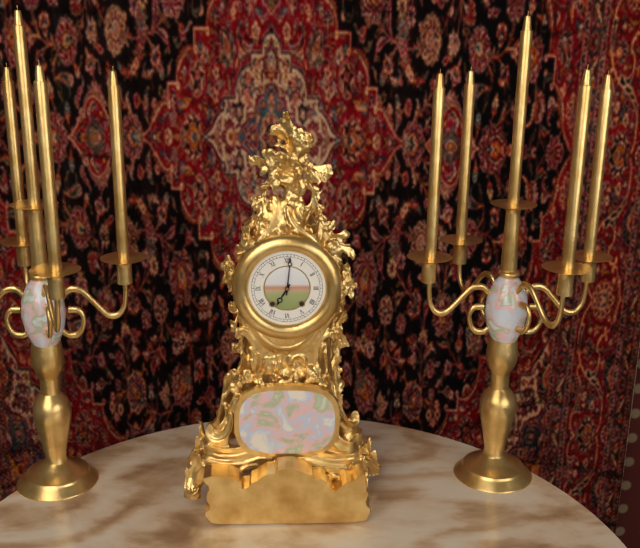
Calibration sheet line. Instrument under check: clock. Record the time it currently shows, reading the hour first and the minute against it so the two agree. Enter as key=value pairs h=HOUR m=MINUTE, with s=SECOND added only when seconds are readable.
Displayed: h=7 m=1
